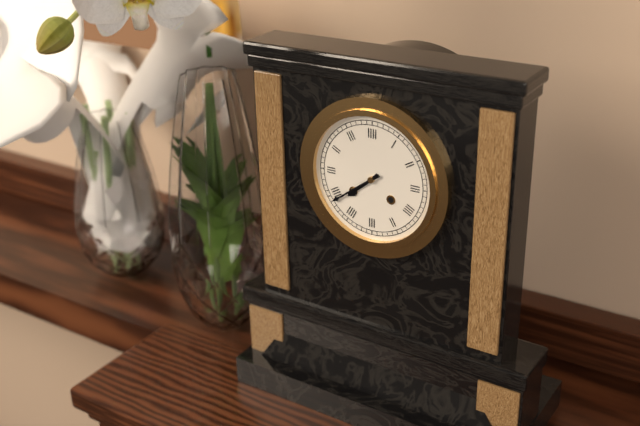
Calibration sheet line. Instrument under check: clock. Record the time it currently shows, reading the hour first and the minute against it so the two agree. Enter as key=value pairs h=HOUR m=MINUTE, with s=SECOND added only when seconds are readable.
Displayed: h=7 m=39
